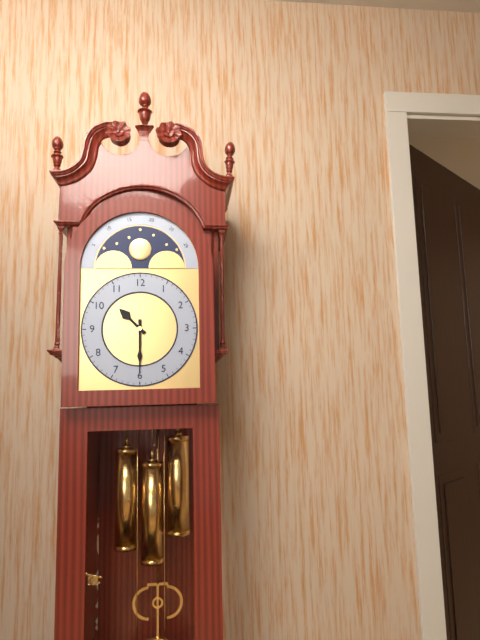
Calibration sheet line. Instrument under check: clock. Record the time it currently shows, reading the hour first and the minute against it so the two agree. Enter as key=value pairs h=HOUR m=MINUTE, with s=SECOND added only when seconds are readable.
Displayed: h=10 m=30
